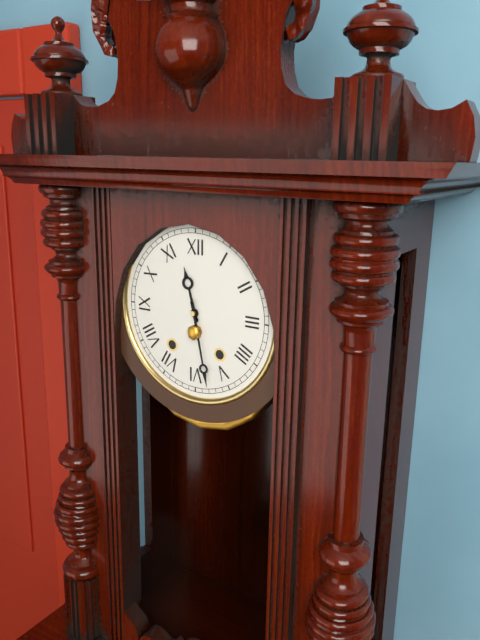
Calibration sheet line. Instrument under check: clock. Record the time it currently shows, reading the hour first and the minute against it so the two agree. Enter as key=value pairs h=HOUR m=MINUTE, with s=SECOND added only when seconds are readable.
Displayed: h=11 m=28
